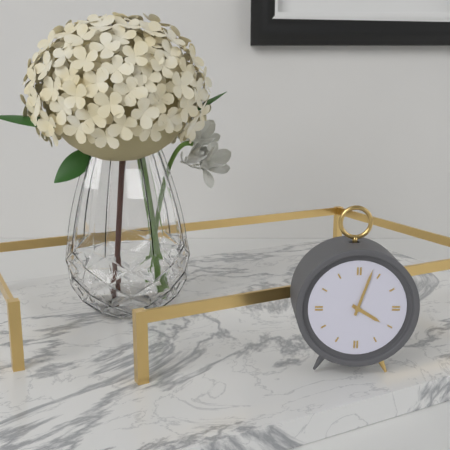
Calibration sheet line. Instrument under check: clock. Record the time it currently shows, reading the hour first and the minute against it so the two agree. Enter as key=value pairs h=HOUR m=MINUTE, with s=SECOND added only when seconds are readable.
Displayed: h=4 m=3
